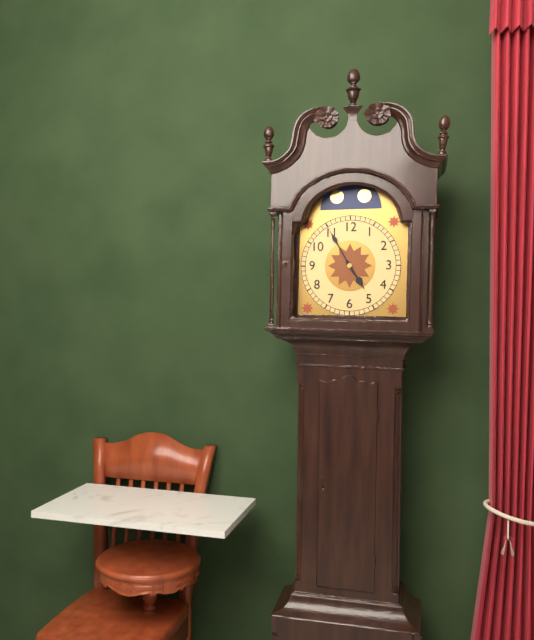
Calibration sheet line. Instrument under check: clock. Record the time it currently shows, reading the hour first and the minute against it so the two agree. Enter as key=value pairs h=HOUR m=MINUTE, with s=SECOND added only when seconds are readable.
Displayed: h=4 m=55
